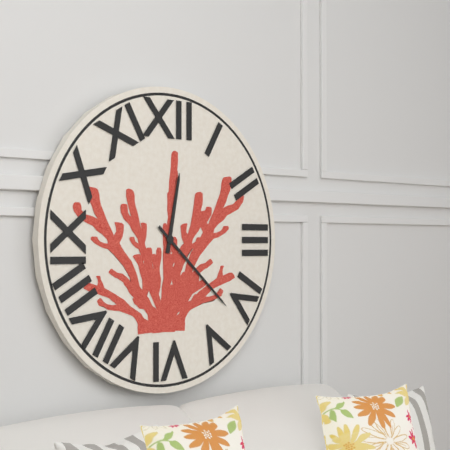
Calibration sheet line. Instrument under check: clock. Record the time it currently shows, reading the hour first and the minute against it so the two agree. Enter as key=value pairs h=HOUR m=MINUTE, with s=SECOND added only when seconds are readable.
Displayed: h=12 m=22
